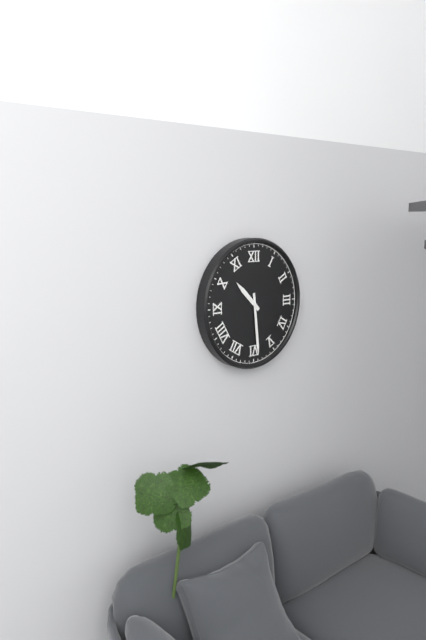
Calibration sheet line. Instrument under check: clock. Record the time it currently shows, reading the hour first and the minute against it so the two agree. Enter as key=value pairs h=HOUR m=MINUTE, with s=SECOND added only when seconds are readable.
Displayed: h=10 m=29
